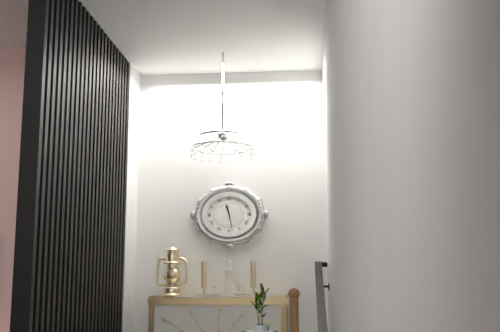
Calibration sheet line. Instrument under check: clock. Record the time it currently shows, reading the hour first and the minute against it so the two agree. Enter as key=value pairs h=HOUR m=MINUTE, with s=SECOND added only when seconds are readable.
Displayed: h=11 m=28
